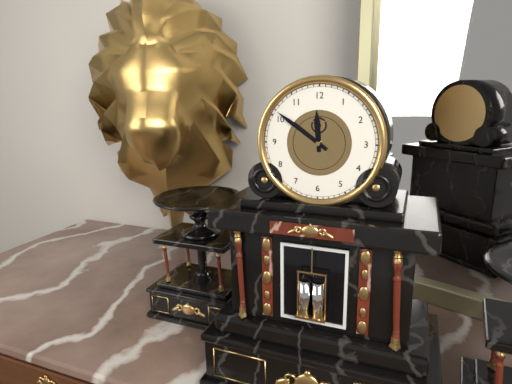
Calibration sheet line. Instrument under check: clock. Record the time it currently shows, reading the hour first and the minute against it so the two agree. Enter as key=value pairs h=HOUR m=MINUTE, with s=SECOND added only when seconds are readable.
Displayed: h=11 m=51
